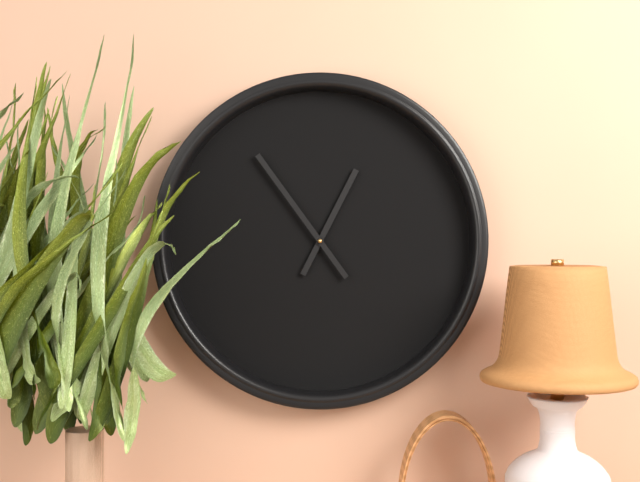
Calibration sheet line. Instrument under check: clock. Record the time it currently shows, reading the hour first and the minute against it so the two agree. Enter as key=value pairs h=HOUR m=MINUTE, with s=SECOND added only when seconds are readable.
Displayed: h=12 m=54
